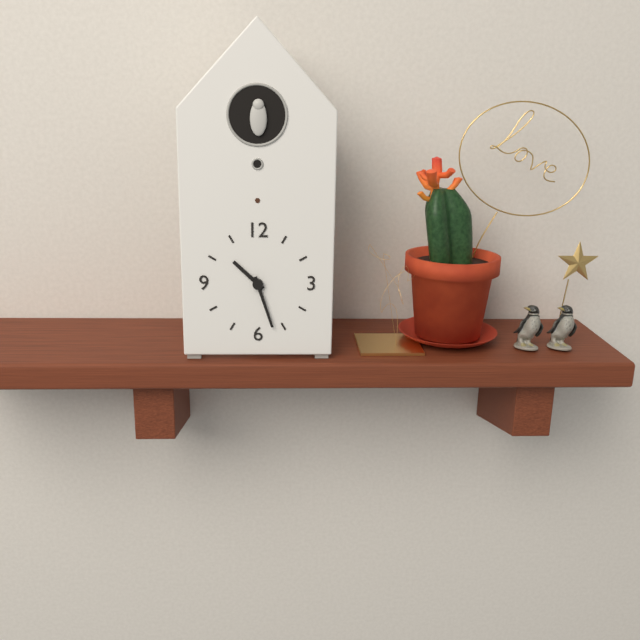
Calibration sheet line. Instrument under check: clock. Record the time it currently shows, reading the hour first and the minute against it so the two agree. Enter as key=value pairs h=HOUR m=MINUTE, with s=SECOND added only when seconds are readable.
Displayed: h=10 m=27
